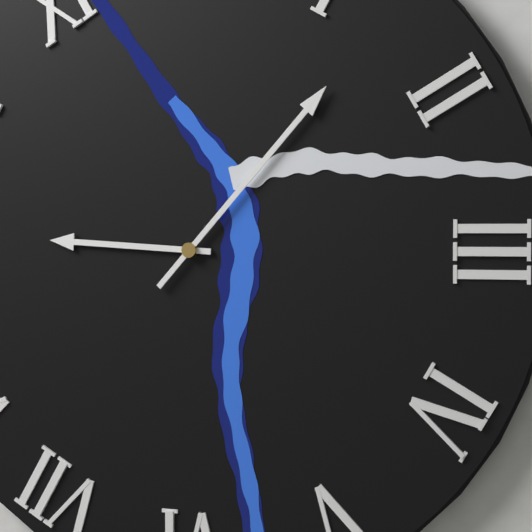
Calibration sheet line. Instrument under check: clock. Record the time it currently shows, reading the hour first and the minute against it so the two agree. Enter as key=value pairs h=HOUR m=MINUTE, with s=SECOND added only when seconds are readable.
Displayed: h=9 m=7
